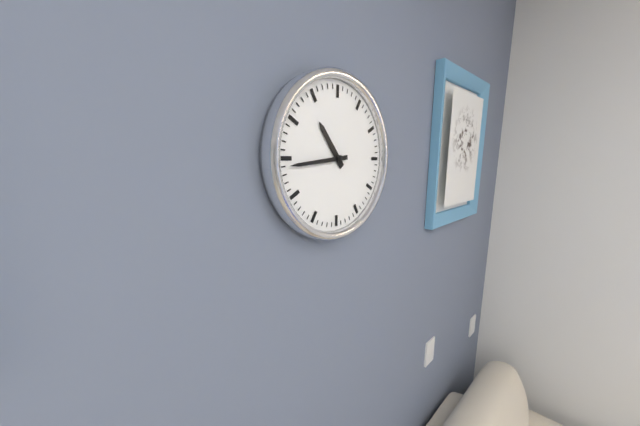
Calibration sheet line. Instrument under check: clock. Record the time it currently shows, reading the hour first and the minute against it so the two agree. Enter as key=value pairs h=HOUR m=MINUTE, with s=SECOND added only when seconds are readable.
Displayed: h=10 m=44
